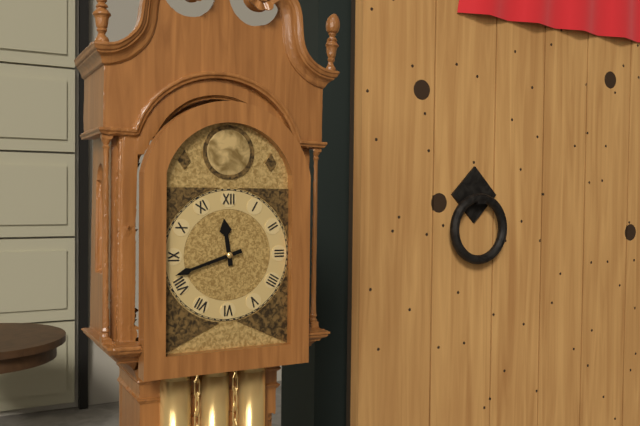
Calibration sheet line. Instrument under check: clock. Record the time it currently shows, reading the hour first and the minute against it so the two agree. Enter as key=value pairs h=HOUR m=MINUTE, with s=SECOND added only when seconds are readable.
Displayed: h=11 m=42
